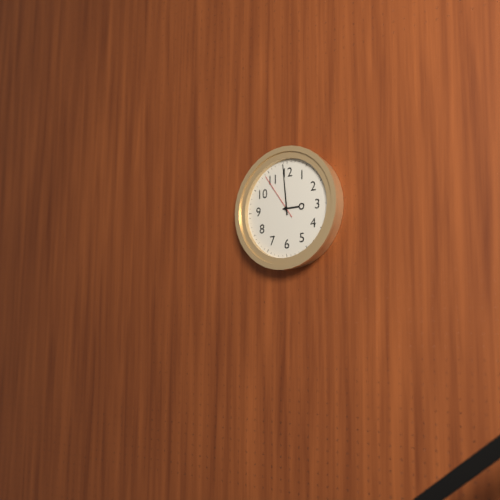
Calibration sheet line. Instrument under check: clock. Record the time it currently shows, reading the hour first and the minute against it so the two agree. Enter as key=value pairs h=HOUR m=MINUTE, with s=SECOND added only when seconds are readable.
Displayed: h=2 m=59
